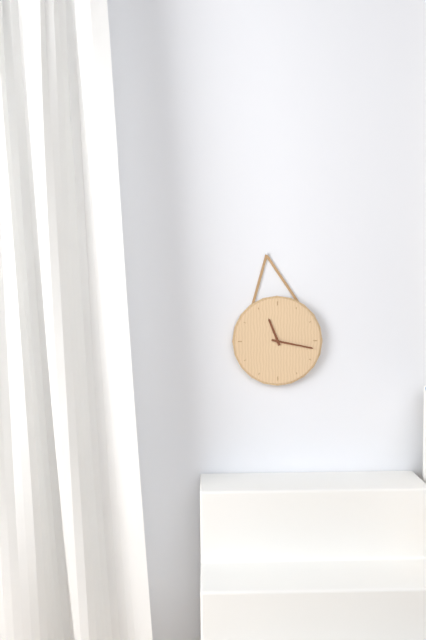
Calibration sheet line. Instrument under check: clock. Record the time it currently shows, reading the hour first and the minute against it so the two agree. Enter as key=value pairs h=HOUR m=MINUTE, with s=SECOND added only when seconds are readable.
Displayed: h=11 m=17
